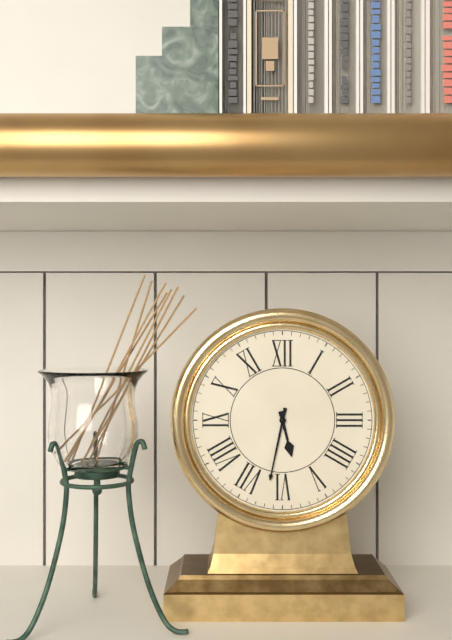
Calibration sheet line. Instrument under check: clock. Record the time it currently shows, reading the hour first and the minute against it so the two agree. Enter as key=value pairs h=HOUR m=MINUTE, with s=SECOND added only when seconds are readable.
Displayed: h=5 m=32
